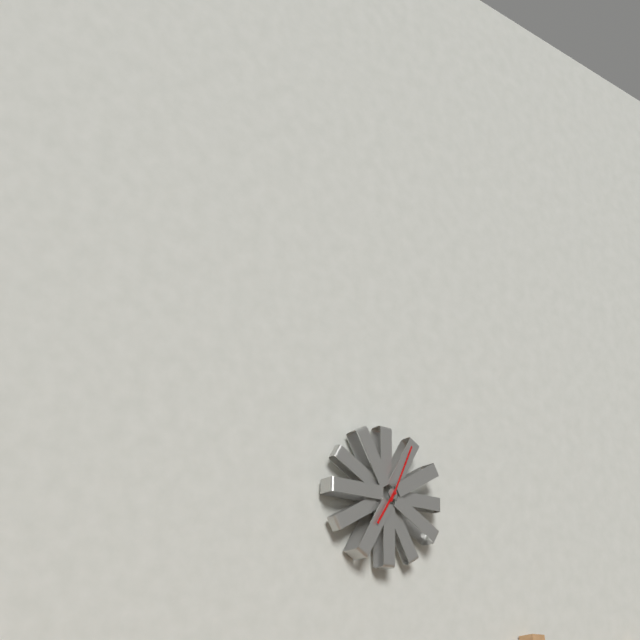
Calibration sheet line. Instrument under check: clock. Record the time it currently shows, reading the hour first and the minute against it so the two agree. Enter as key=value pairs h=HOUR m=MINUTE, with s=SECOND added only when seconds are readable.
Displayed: h=7 m=4
